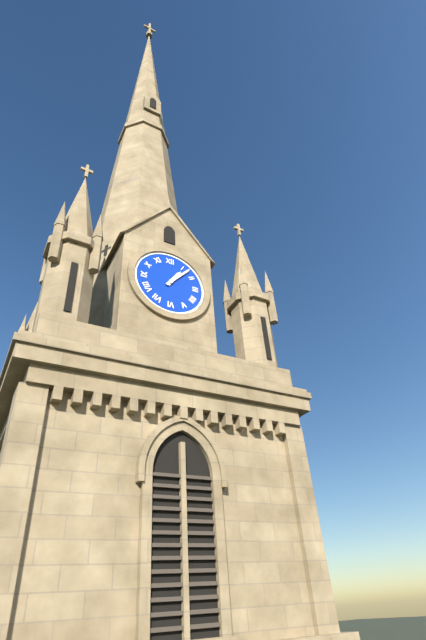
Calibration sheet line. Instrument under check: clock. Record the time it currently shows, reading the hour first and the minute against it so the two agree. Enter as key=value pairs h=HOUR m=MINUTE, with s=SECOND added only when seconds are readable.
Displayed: h=1 m=7
